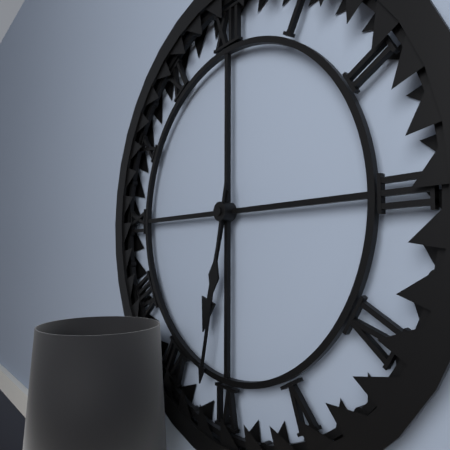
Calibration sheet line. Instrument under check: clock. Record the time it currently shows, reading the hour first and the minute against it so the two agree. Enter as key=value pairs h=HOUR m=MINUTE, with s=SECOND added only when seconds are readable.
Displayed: h=6 m=32
